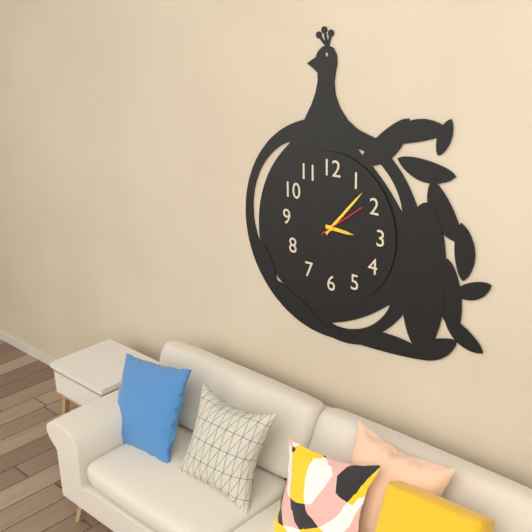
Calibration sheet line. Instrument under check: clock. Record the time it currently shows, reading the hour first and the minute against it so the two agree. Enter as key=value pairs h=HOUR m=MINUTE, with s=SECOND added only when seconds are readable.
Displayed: h=3 m=7
